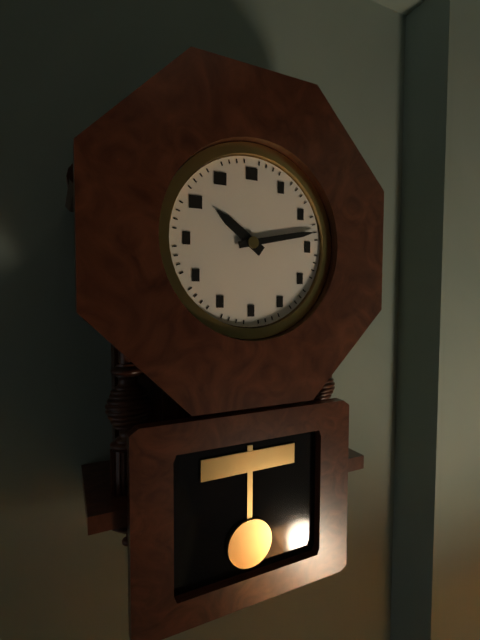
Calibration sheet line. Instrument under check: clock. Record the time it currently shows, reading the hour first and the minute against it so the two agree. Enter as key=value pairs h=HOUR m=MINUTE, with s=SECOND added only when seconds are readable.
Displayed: h=10 m=13
